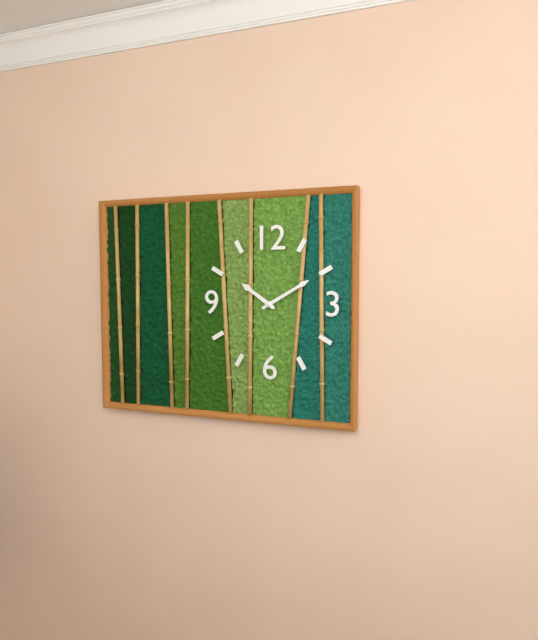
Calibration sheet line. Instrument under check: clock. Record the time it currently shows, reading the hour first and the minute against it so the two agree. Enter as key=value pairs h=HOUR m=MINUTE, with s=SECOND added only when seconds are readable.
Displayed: h=10 m=10
